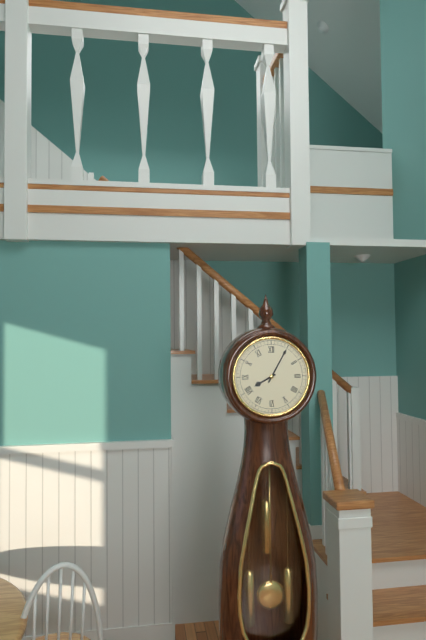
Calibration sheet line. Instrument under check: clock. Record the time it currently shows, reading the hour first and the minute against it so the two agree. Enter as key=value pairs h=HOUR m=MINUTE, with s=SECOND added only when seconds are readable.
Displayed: h=8 m=5
